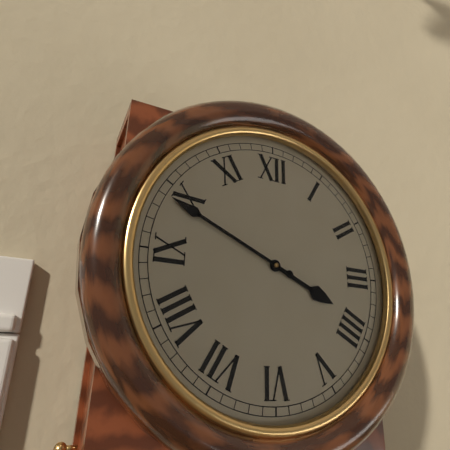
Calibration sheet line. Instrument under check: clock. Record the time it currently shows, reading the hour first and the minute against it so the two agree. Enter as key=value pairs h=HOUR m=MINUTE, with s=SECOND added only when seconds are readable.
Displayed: h=3 m=49
